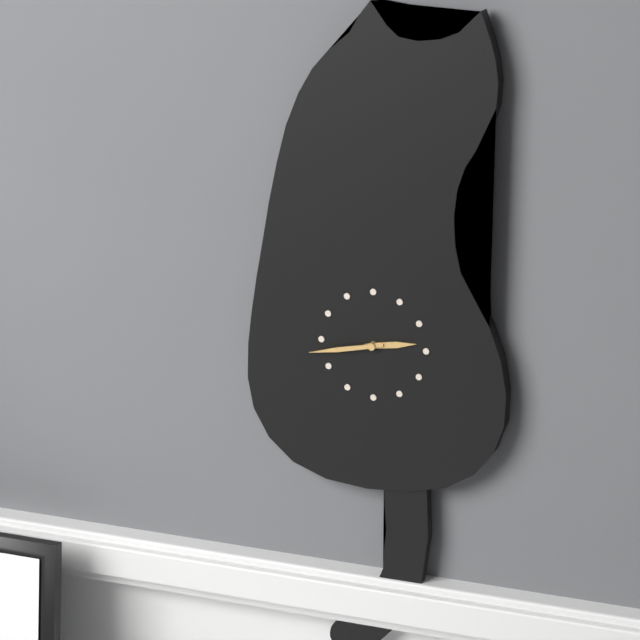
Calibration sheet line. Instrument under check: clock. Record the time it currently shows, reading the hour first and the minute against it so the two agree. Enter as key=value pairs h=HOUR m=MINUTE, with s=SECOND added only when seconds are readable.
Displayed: h=2 m=43
